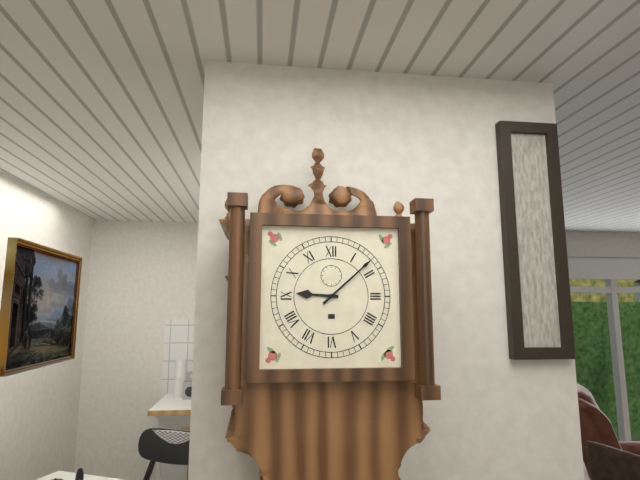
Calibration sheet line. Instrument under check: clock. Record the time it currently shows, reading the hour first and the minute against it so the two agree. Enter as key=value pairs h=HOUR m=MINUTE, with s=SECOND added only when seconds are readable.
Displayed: h=9 m=8
